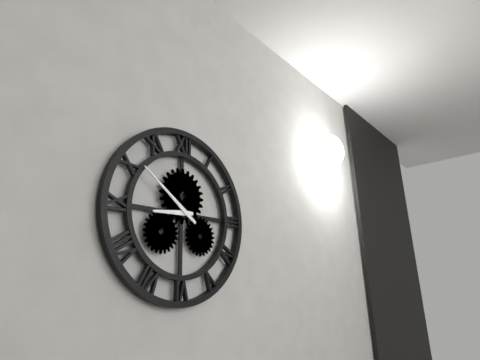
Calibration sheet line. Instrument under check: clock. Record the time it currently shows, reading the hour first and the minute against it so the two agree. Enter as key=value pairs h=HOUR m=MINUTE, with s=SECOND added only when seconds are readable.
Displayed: h=8 m=51
